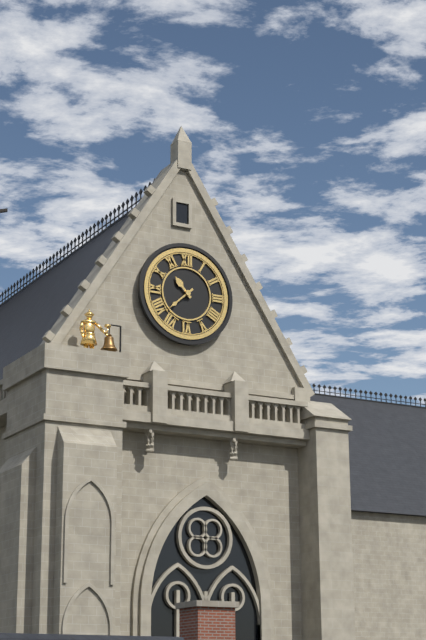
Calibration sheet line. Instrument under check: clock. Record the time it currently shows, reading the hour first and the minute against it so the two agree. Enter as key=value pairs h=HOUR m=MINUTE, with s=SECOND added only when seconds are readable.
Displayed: h=10 m=38
